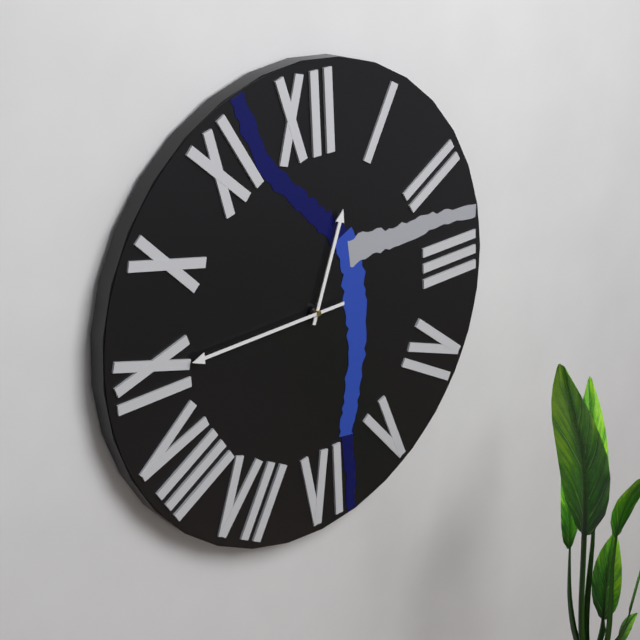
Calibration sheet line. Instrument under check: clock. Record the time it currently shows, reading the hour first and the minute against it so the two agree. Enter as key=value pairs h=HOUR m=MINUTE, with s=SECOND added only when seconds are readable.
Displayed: h=12 m=45
